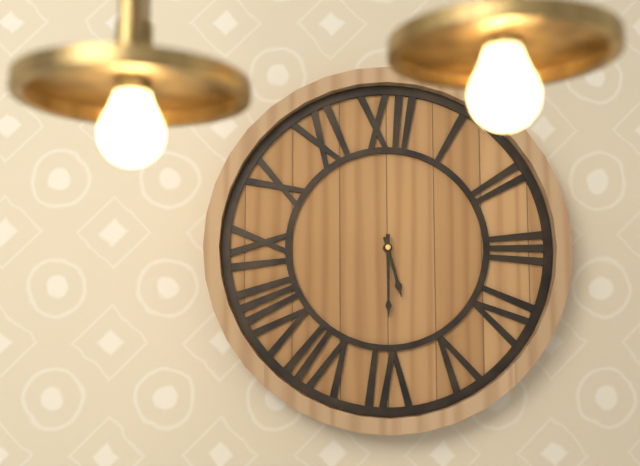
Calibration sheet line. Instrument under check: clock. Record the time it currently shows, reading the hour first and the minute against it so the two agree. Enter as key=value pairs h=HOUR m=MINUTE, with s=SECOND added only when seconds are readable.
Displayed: h=5 m=30
